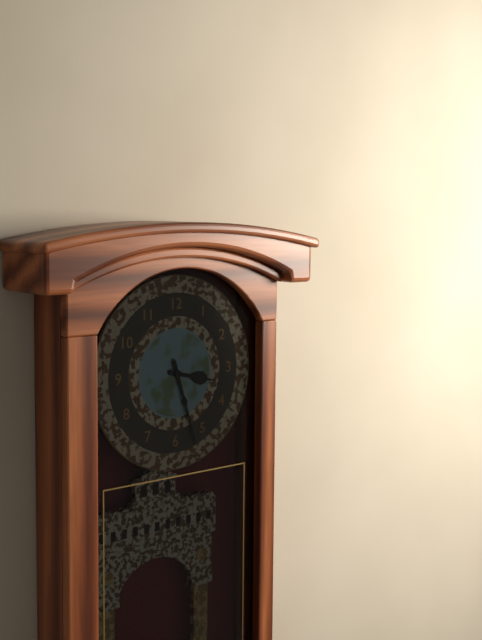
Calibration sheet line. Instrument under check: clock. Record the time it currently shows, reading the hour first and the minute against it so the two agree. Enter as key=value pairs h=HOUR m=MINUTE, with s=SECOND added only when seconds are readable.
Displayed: h=3 m=27
